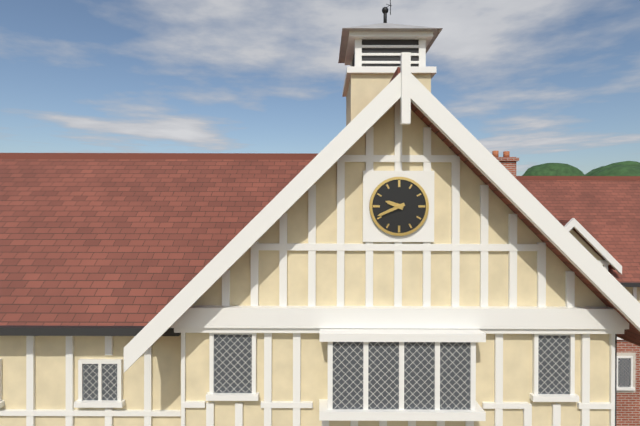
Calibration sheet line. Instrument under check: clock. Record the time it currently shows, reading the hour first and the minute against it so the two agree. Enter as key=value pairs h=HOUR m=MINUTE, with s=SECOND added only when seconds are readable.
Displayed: h=9 m=41
